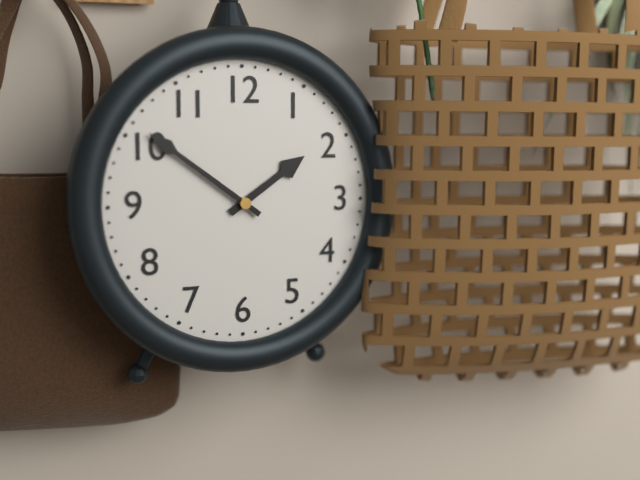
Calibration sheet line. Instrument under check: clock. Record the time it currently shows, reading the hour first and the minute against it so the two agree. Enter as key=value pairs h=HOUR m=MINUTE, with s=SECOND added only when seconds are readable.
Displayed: h=1 m=51
